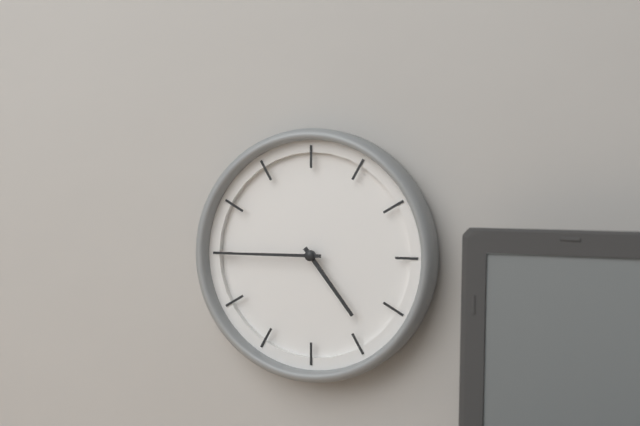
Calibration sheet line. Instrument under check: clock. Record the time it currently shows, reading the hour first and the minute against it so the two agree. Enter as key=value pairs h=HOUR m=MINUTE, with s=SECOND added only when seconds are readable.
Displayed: h=4 m=45
